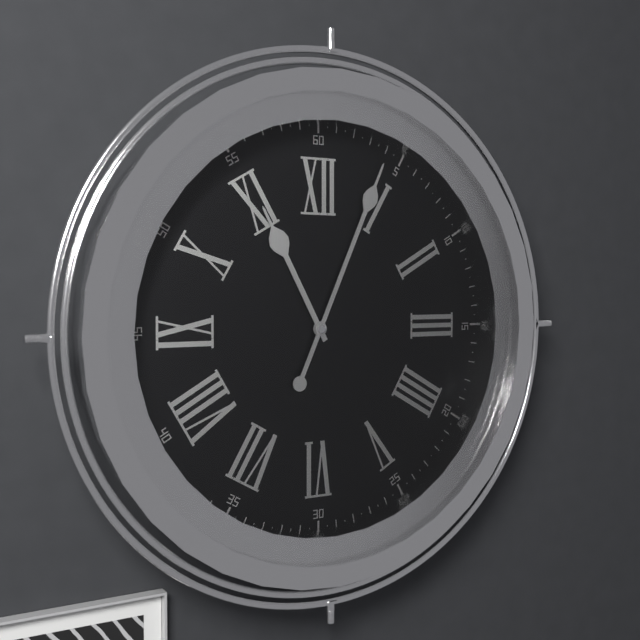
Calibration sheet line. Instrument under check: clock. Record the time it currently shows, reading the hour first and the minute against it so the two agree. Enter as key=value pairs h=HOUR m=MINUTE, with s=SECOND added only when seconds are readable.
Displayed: h=11 m=4
